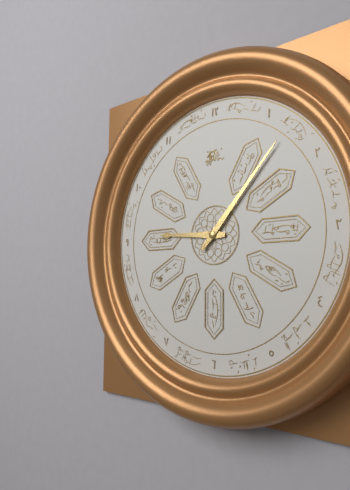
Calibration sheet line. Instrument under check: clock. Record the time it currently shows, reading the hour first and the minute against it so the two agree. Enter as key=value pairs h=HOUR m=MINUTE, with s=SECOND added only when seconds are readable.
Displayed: h=9 m=7
